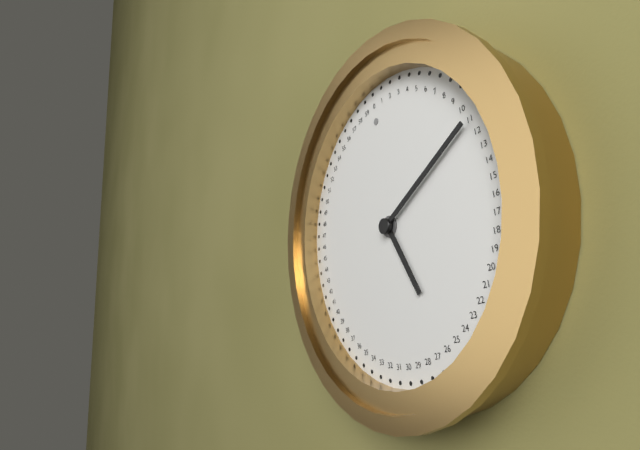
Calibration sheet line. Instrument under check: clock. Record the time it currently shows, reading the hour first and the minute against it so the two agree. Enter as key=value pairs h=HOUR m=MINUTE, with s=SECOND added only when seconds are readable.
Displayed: h=5 m=11
